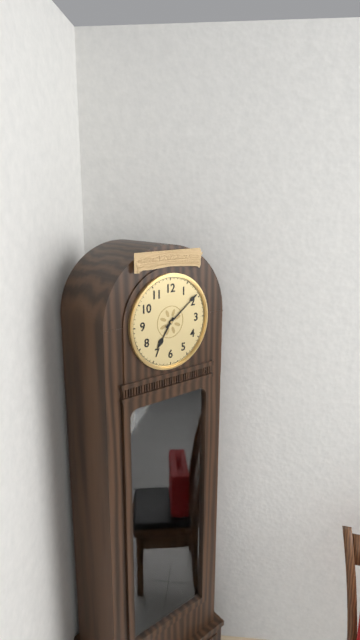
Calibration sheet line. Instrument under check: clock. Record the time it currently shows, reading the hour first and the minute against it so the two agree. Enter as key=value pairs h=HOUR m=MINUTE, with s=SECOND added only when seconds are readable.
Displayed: h=7 m=9
